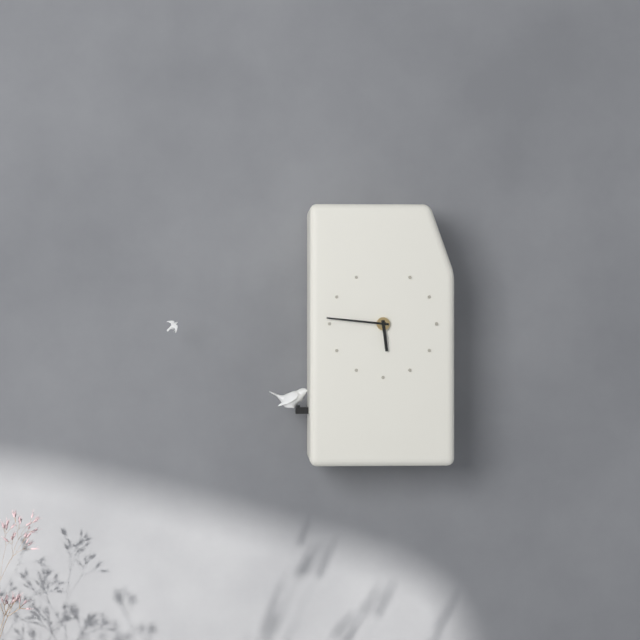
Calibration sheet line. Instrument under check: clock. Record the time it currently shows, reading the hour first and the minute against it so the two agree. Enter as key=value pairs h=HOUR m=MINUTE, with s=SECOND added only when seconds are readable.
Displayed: h=5 m=46
